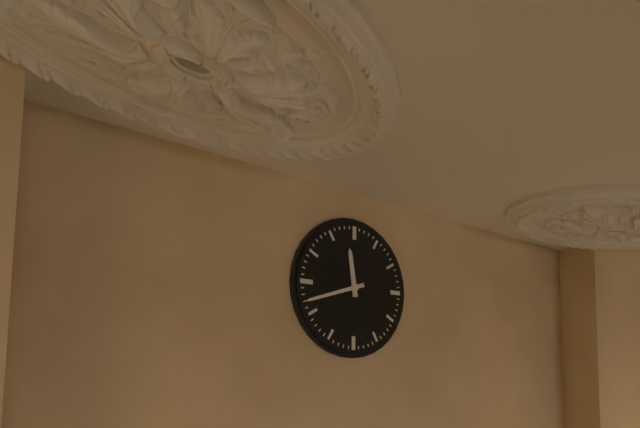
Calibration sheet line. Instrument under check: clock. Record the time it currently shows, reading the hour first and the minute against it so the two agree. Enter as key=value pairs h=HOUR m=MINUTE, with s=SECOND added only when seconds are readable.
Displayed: h=11 m=42
